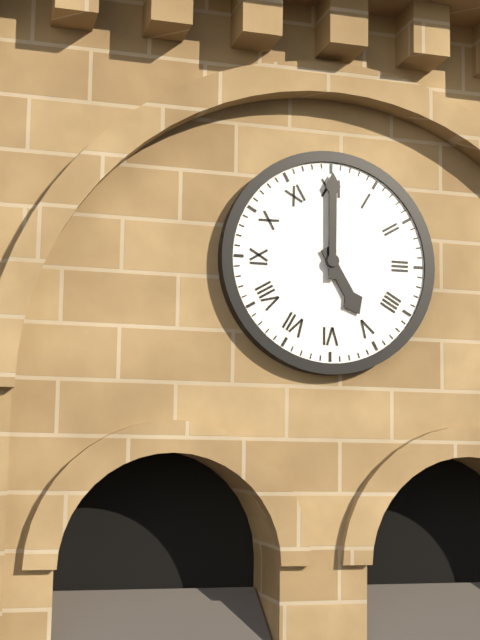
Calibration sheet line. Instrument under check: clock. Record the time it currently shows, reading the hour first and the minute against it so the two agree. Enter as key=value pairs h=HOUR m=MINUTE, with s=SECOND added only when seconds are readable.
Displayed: h=5 m=0
